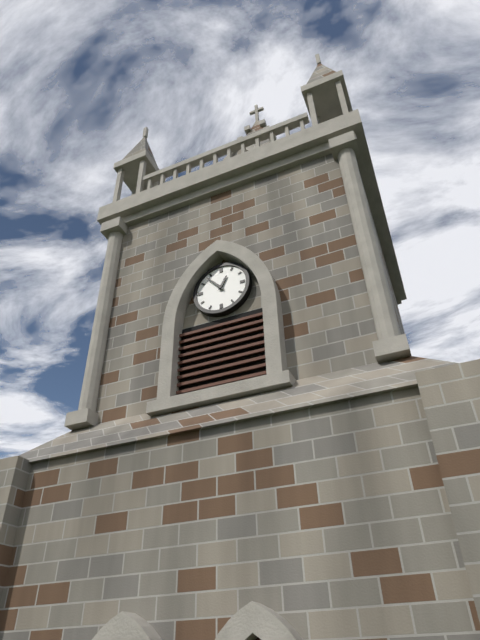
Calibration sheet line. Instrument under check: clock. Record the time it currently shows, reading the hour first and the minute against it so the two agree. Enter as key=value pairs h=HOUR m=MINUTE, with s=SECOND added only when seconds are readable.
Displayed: h=12 m=53
